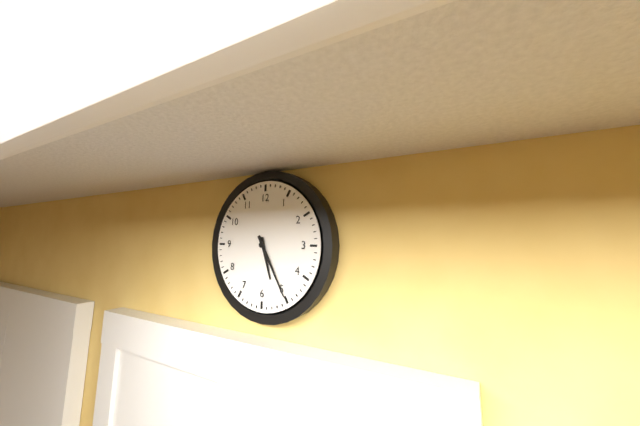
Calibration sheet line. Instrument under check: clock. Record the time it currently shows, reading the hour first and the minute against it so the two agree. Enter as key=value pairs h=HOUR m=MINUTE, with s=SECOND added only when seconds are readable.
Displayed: h=5 m=25
